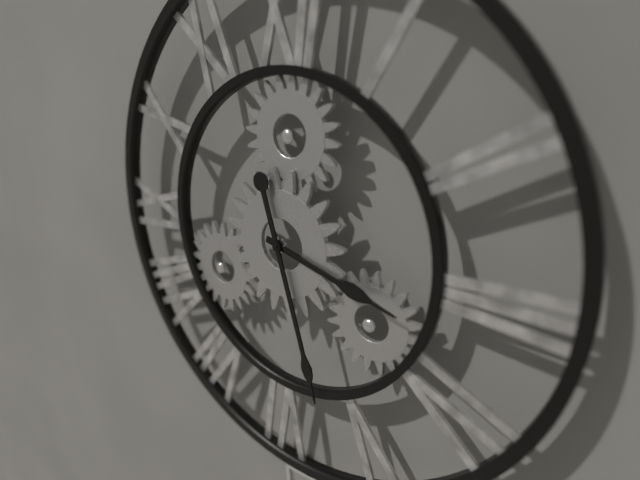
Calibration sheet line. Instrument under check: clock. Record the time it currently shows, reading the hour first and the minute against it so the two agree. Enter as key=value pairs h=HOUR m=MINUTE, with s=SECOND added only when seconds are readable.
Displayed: h=3 m=27
